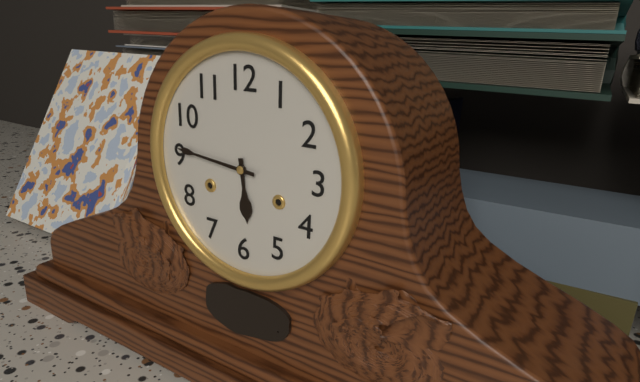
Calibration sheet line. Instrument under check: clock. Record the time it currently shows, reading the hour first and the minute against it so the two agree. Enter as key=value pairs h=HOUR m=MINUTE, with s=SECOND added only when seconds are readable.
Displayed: h=5 m=46
